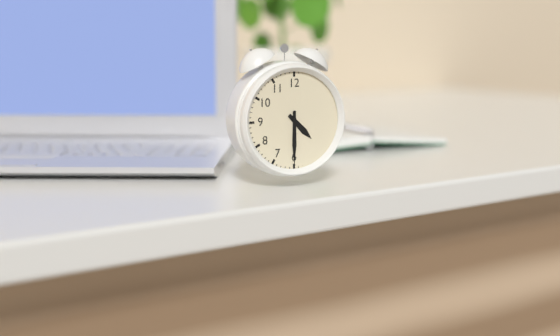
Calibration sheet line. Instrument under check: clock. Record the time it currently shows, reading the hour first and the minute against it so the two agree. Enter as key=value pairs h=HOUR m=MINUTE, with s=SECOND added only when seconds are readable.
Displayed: h=4 m=30
